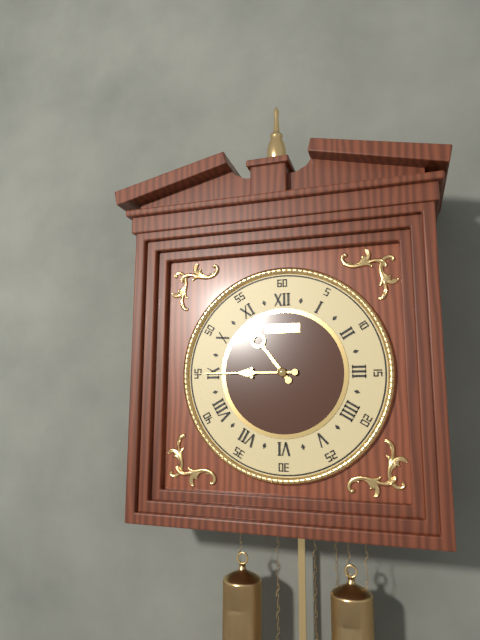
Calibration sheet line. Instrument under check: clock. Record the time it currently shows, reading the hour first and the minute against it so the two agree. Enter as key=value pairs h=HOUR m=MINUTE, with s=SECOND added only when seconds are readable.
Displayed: h=10 m=45
